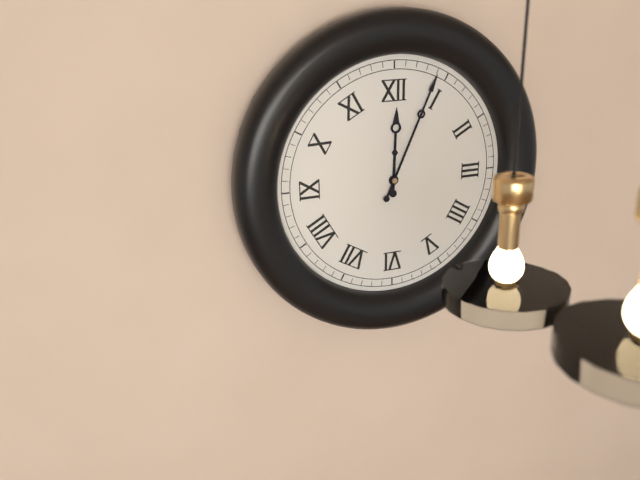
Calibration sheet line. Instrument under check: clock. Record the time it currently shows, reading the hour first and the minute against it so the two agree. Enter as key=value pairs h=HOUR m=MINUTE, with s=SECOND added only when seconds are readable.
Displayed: h=12 m=4
